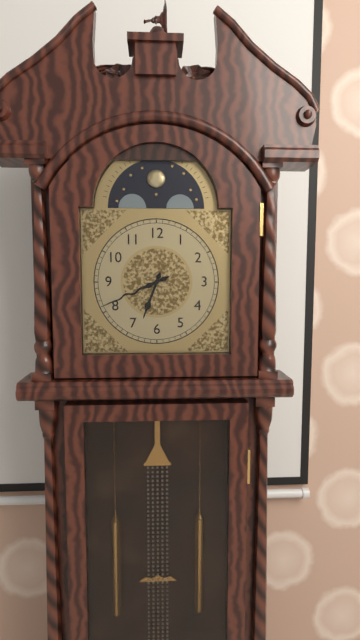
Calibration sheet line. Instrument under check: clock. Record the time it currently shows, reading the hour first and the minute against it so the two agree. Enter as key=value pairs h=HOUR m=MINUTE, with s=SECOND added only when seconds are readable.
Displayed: h=6 m=41
